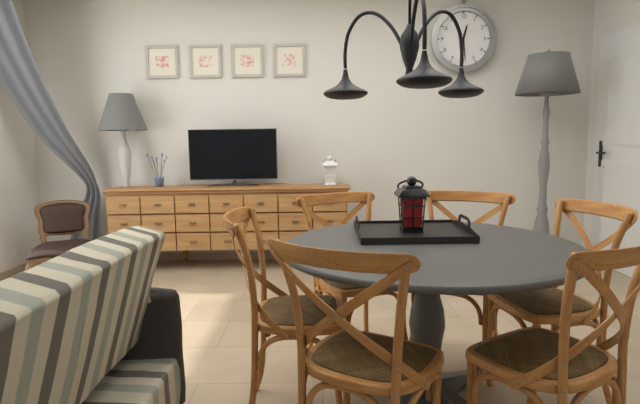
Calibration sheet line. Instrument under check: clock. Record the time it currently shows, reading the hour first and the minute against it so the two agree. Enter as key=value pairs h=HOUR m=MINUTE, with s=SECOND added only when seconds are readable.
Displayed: h=12 m=29
